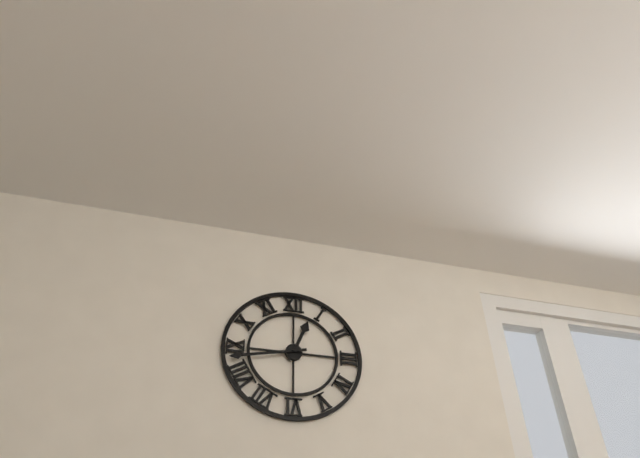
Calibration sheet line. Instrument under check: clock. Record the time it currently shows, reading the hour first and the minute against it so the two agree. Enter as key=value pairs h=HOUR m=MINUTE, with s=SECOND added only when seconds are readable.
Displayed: h=12 m=43
